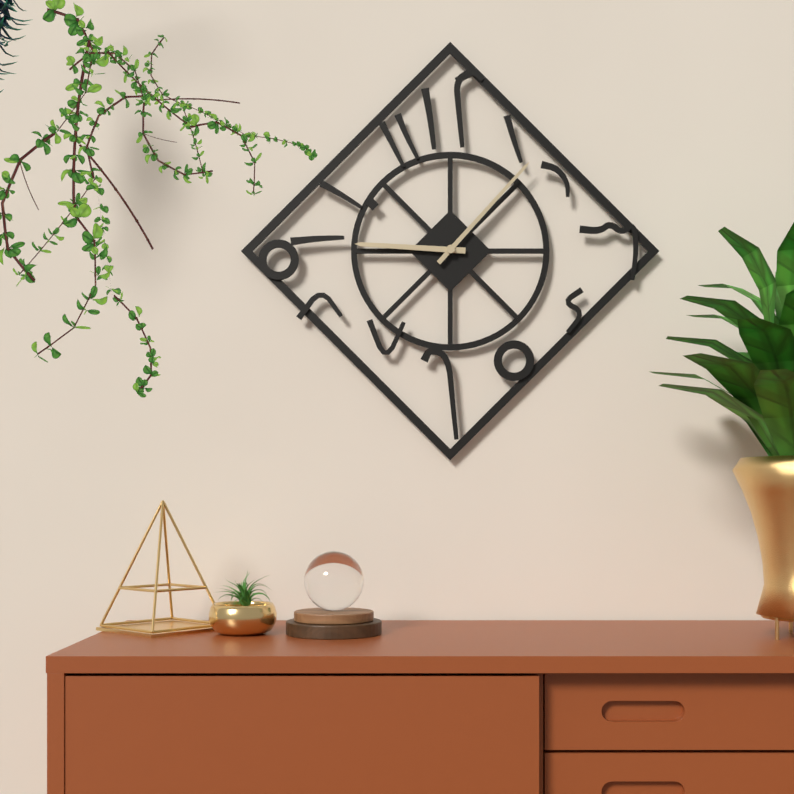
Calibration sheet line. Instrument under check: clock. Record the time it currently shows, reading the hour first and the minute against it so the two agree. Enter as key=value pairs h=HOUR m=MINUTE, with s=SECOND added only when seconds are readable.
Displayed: h=9 m=7
